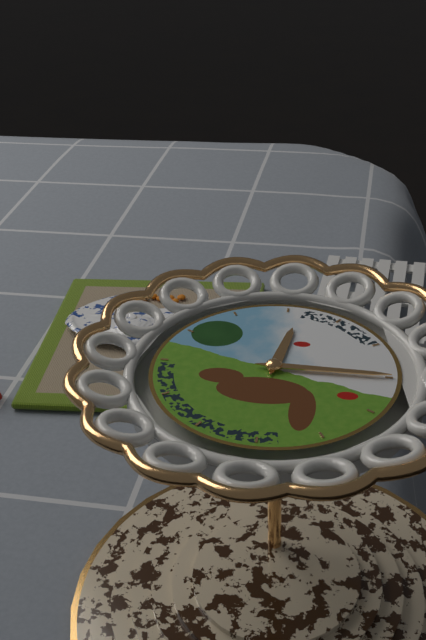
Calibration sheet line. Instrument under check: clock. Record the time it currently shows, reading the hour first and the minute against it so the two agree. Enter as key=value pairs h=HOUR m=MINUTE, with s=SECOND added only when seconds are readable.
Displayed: h=12 m=15
